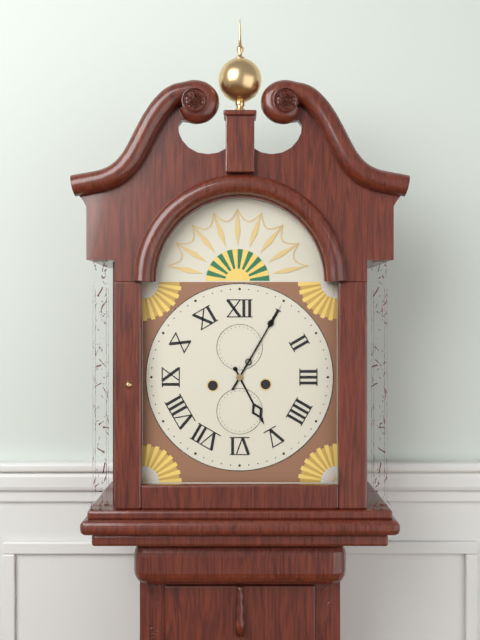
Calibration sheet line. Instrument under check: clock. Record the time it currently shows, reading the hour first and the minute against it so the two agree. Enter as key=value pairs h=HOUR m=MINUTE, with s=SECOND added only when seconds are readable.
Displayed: h=5 m=5
